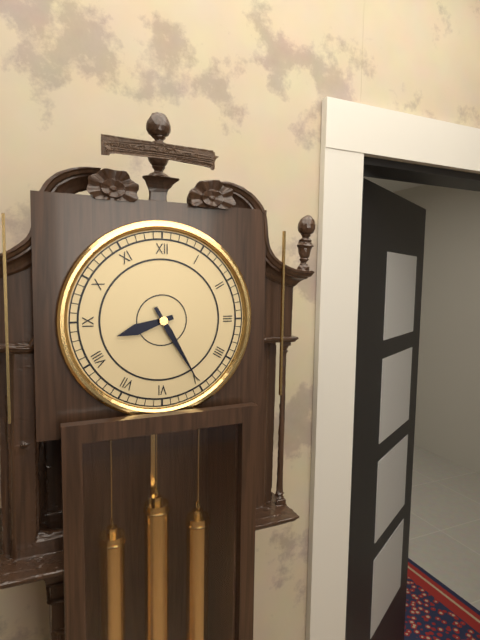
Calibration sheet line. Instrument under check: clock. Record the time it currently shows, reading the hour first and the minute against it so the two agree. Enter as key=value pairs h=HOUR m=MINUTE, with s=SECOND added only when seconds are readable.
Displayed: h=8 m=25
